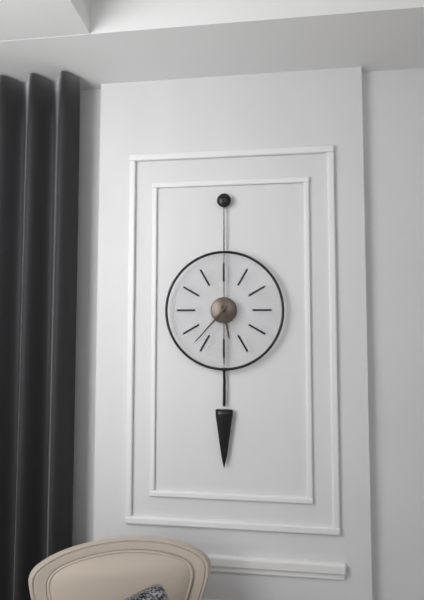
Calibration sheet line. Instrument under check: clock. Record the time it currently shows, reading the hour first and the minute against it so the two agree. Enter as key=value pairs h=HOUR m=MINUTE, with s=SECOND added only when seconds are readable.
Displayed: h=5 m=37
